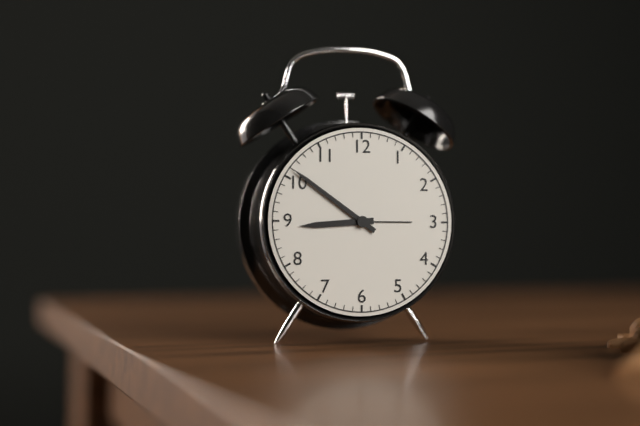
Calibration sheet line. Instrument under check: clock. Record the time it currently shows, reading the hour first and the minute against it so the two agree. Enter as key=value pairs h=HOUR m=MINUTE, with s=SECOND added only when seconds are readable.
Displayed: h=8 m=51
